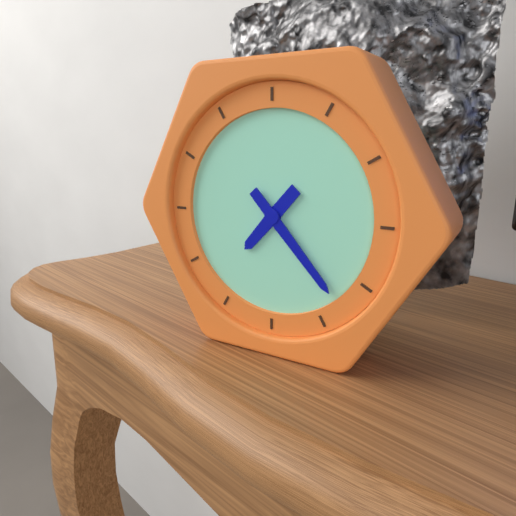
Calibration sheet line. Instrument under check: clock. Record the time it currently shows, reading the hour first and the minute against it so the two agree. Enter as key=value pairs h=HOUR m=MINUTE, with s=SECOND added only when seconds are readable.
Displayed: h=7 m=23
